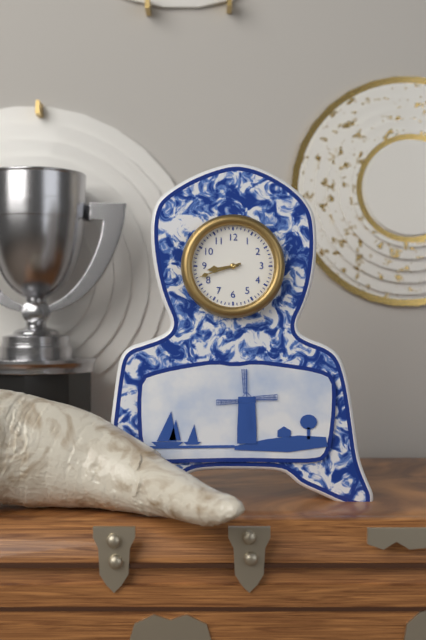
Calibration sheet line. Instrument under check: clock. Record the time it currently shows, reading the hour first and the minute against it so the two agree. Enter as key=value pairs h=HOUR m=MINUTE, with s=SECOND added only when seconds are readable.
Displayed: h=8 m=42
